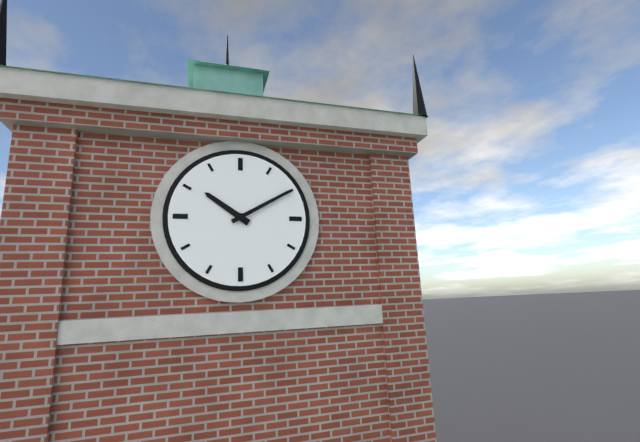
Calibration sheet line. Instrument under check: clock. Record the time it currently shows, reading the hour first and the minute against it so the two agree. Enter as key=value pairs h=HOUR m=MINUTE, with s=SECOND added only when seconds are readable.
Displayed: h=10 m=10
